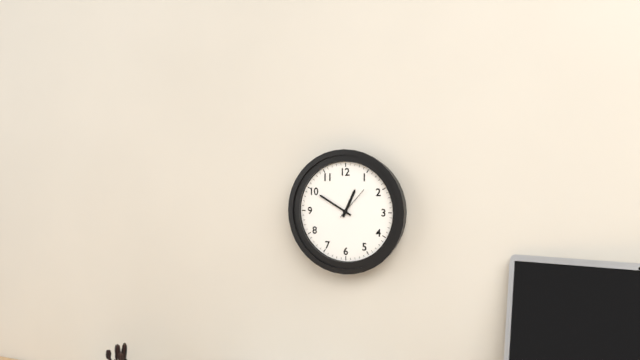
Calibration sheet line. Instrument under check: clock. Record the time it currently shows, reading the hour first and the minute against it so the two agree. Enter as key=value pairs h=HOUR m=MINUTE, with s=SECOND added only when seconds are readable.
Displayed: h=12 m=50
